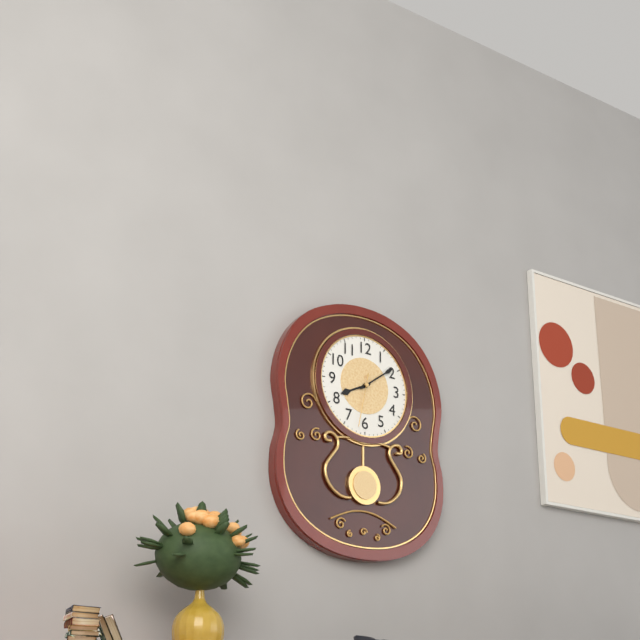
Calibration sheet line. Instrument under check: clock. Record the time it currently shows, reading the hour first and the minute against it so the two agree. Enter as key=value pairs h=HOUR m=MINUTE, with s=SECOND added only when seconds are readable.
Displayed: h=8 m=9
